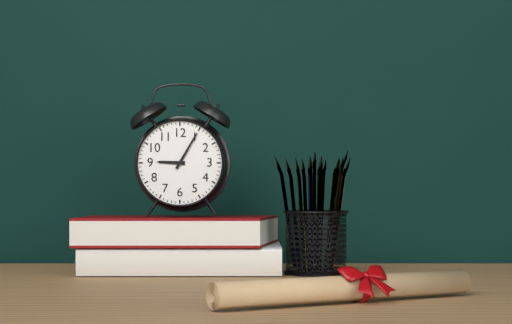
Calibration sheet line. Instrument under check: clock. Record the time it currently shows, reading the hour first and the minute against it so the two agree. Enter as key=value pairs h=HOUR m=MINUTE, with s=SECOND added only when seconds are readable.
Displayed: h=9 m=5
